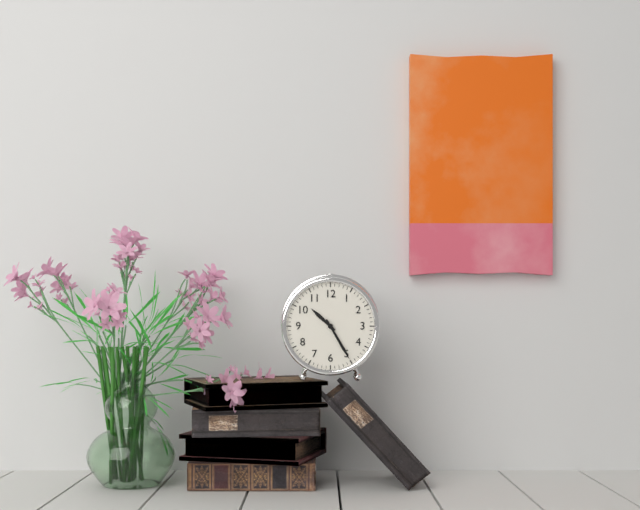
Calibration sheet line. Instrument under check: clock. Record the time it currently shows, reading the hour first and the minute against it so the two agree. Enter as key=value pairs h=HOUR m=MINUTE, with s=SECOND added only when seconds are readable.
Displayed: h=10 m=25
